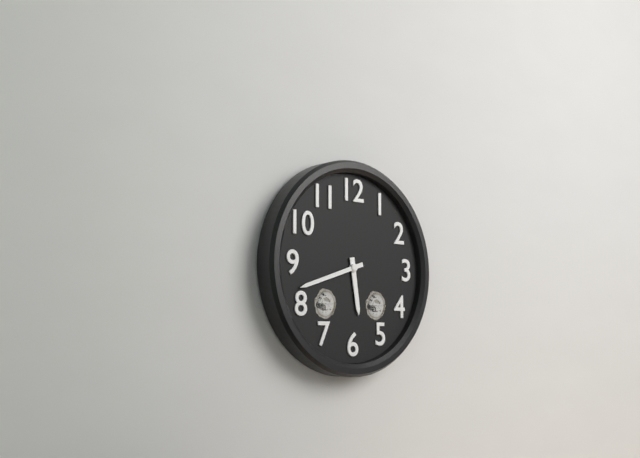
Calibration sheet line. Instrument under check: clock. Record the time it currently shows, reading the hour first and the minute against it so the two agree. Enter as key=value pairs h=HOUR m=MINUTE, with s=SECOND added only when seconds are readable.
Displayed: h=5 m=42
